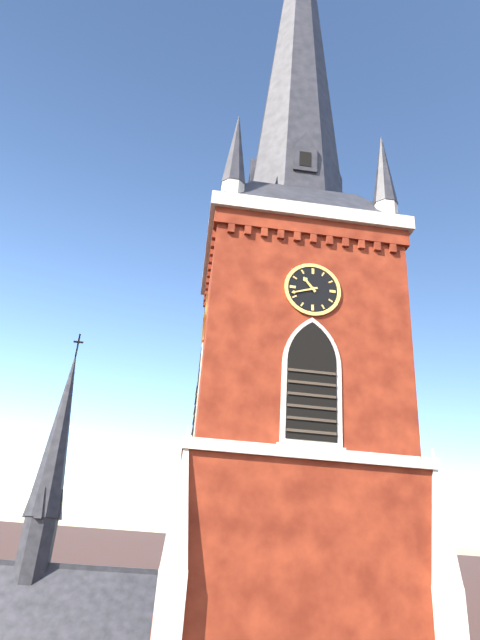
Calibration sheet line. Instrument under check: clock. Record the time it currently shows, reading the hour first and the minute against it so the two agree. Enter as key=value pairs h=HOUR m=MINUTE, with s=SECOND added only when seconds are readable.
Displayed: h=10 m=42
